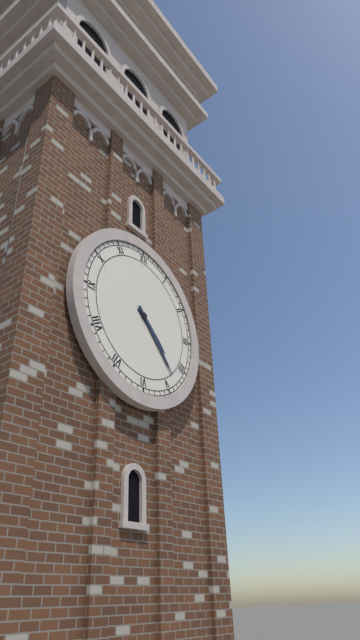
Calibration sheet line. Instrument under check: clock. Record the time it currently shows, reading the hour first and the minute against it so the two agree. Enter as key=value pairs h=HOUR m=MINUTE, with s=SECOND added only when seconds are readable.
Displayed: h=4 m=23
